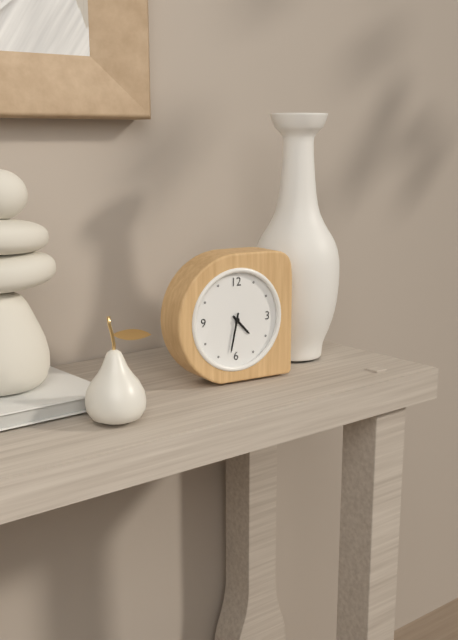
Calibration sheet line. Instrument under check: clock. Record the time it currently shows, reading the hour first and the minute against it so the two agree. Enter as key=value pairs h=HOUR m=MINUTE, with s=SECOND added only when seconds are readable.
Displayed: h=4 m=32
